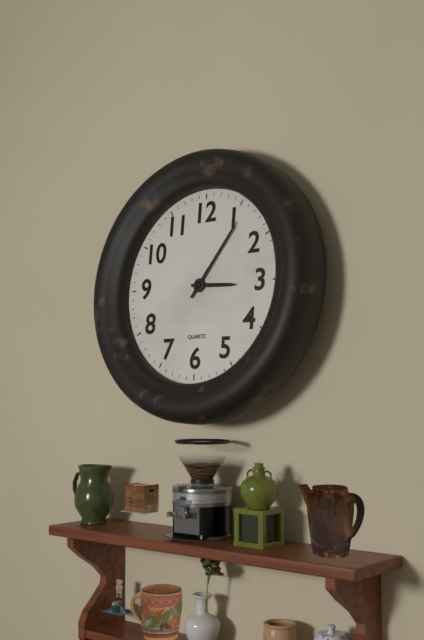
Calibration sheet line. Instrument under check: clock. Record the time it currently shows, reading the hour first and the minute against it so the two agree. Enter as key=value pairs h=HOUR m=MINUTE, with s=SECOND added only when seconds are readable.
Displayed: h=3 m=6
